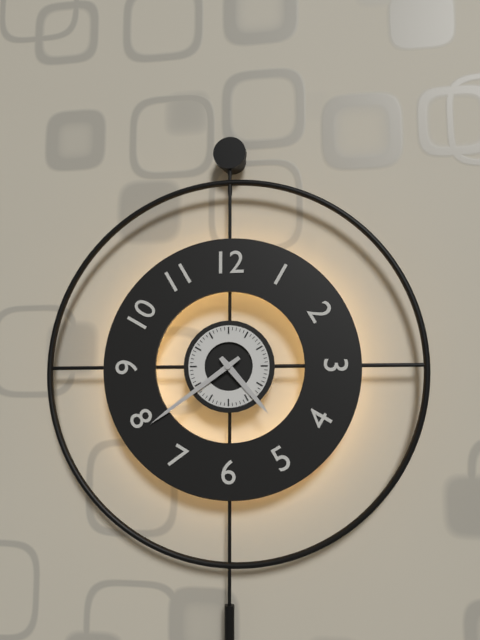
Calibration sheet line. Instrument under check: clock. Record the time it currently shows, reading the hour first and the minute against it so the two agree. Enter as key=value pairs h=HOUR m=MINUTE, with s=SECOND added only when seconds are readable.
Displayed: h=4 m=39
